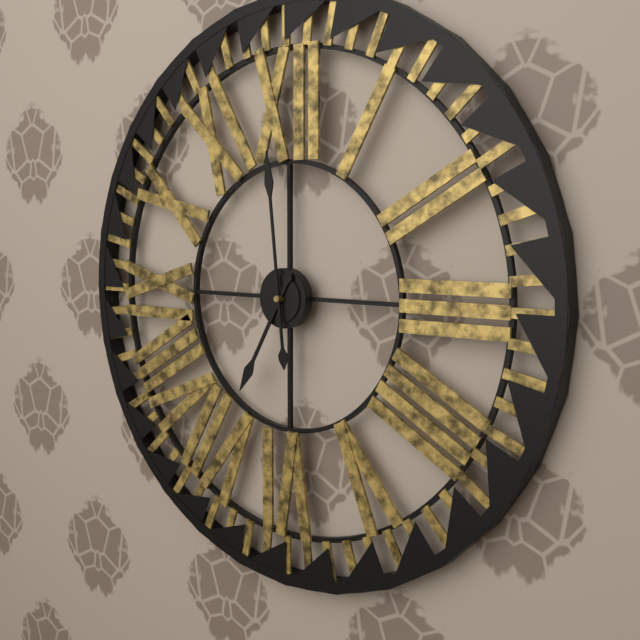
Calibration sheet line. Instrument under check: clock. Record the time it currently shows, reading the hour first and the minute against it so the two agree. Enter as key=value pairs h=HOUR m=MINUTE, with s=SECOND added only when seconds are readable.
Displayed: h=6 m=59
